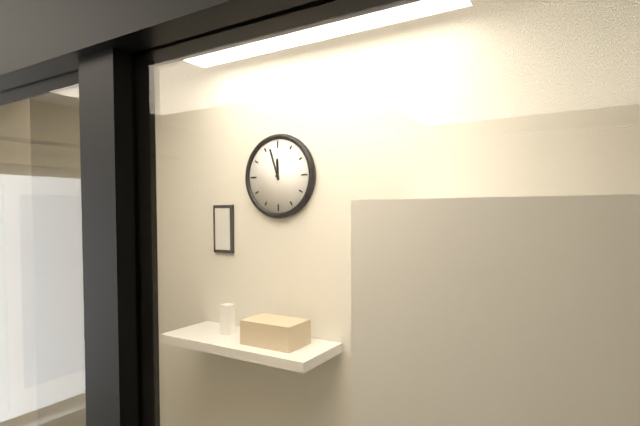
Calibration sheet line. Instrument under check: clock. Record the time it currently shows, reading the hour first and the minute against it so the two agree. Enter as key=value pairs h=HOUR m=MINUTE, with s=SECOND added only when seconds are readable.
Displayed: h=11 m=57
